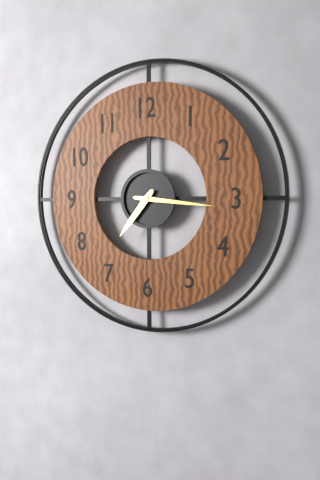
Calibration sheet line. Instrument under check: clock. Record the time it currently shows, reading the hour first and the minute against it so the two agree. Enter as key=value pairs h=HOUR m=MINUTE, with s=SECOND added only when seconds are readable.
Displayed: h=7 m=16
